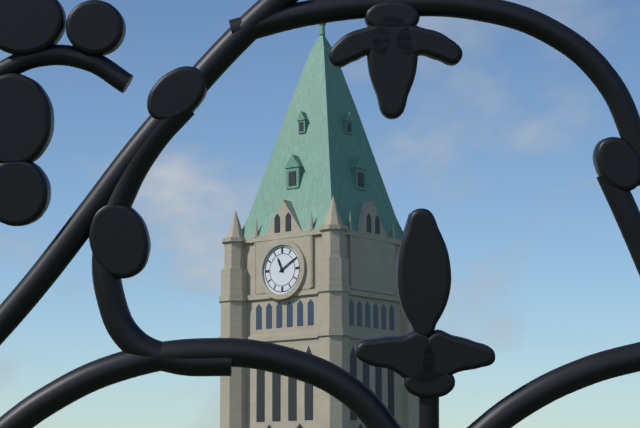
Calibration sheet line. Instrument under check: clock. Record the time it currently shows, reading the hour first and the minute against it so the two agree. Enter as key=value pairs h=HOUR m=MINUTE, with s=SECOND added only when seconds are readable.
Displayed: h=11 m=10
